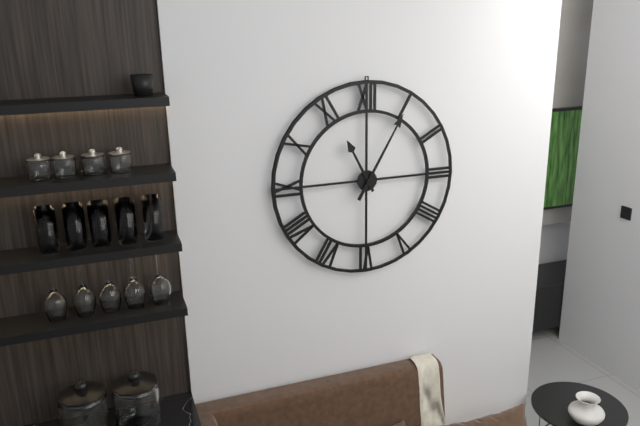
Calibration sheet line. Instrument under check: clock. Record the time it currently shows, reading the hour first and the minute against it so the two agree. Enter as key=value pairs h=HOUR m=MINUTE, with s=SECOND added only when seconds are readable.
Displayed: h=11 m=5
